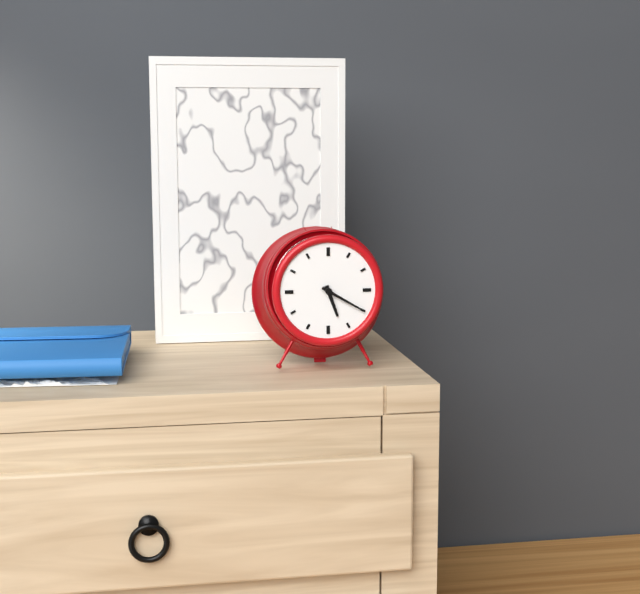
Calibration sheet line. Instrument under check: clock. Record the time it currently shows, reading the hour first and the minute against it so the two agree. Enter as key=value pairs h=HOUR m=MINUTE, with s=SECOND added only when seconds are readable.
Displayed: h=5 m=20
